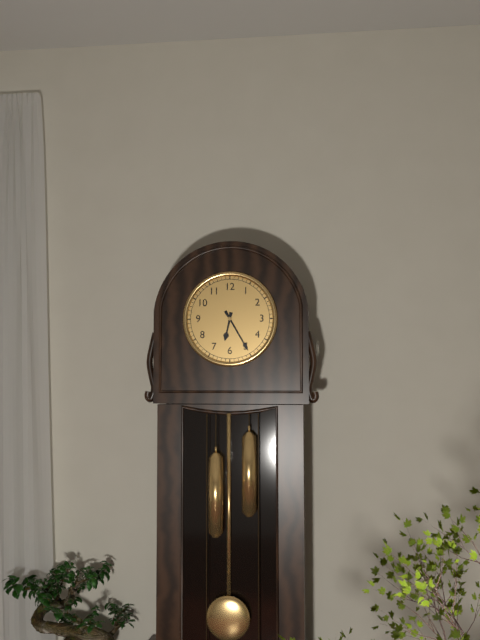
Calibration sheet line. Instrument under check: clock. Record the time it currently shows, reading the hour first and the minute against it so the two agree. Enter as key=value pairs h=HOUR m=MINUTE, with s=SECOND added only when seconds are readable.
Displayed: h=6 m=25
